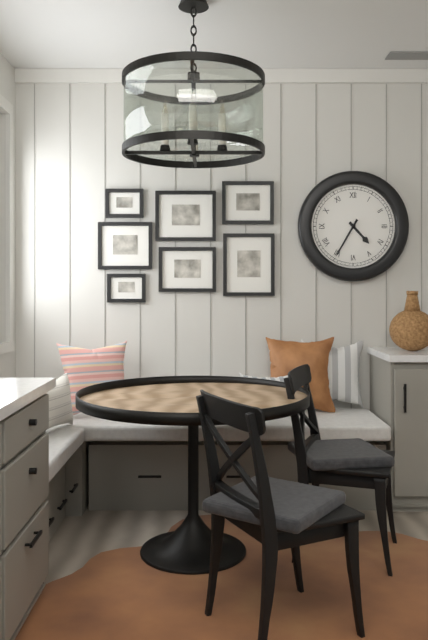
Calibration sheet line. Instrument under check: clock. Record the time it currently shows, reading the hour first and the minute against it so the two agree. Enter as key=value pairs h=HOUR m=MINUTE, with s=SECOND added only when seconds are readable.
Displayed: h=4 m=35
